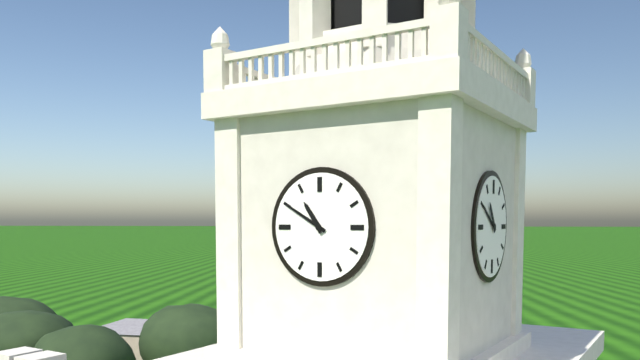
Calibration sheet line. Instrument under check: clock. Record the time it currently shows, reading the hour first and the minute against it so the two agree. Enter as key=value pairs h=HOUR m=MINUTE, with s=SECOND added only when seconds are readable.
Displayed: h=10 m=50
